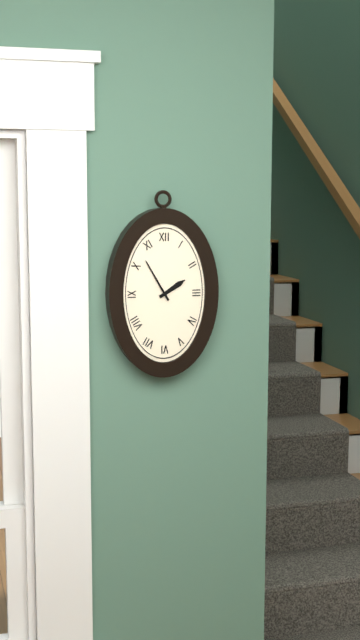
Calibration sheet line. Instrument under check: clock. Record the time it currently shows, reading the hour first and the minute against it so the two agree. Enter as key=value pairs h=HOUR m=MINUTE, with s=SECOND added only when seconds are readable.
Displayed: h=1 m=55
